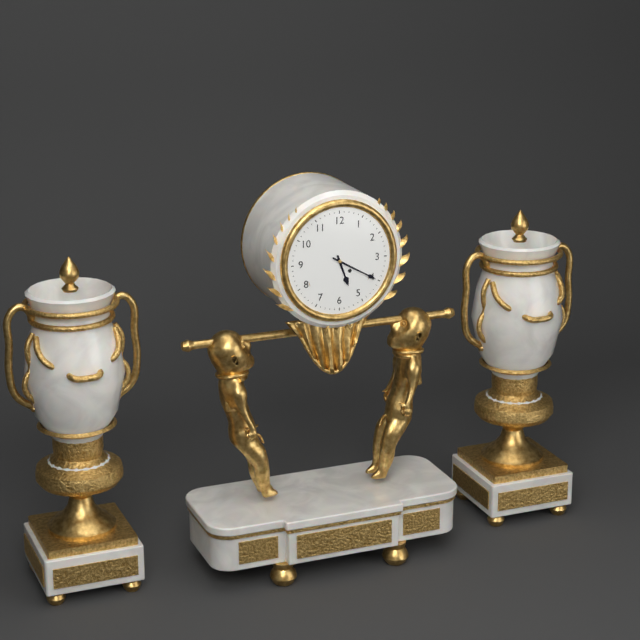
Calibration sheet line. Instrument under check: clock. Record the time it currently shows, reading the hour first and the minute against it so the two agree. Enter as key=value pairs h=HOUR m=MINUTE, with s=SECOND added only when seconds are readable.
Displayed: h=5 m=20
